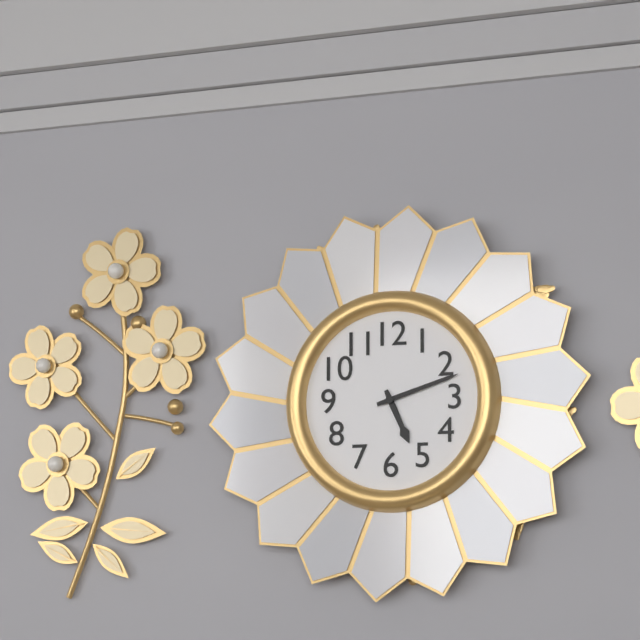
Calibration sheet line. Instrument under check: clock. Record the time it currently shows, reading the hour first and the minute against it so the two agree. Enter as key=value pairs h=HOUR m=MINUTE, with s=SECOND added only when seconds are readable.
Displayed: h=5 m=12
